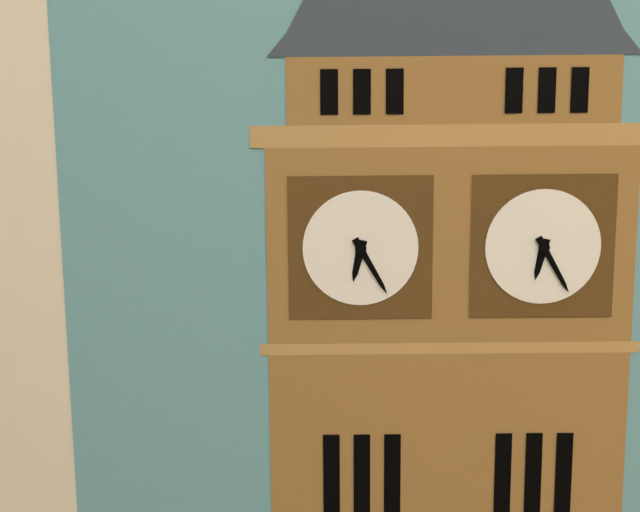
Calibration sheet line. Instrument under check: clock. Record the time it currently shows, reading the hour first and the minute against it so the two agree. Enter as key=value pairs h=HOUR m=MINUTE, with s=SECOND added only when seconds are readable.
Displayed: h=6 m=25
